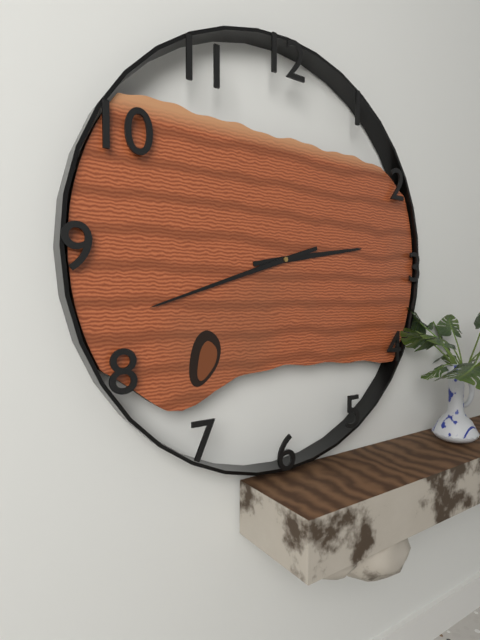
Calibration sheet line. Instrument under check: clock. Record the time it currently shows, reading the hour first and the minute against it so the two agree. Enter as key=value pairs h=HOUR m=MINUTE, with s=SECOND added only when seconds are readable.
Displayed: h=2 m=42
